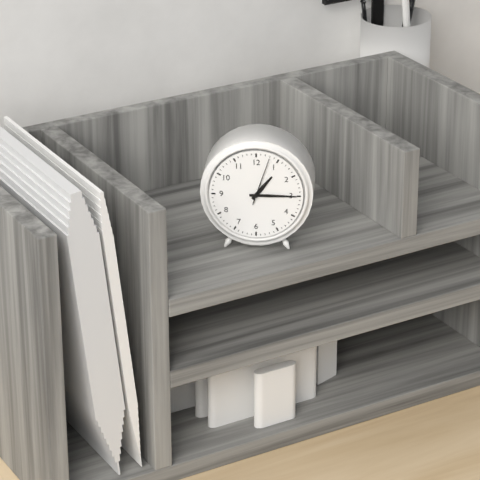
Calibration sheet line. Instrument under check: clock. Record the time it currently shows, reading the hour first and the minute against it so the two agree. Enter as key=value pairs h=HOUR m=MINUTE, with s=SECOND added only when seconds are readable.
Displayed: h=1 m=15
